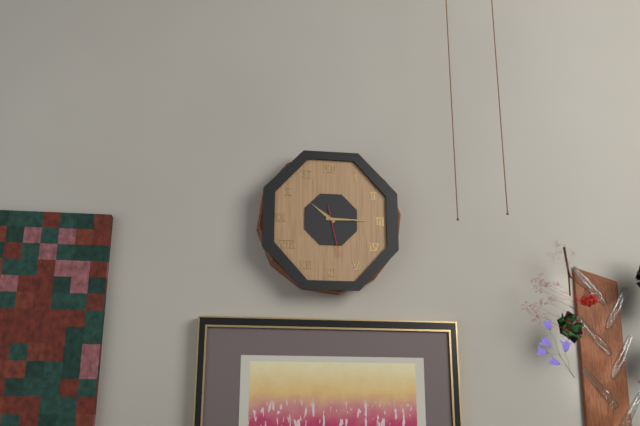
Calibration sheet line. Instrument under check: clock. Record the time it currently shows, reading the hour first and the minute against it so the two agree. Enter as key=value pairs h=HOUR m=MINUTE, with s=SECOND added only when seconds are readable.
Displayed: h=10 m=15
